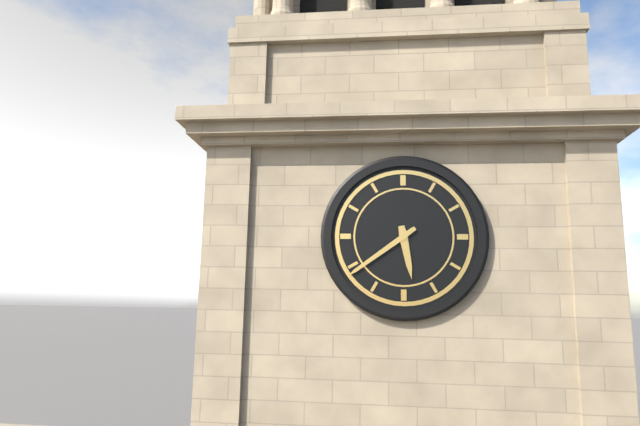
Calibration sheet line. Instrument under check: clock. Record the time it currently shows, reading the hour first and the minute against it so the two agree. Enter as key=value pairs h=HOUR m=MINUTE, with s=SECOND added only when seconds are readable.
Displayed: h=5 m=39
